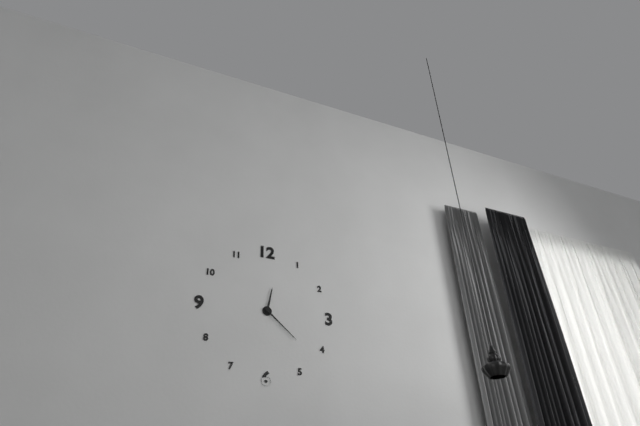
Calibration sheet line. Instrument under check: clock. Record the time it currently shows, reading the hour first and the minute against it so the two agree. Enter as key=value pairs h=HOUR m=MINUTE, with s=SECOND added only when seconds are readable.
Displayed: h=12 m=22
